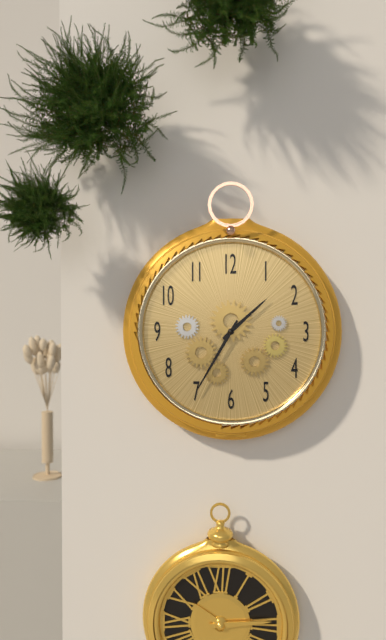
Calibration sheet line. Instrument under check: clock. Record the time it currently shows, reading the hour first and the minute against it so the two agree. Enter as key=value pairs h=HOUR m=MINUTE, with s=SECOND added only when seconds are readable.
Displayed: h=1 m=35
